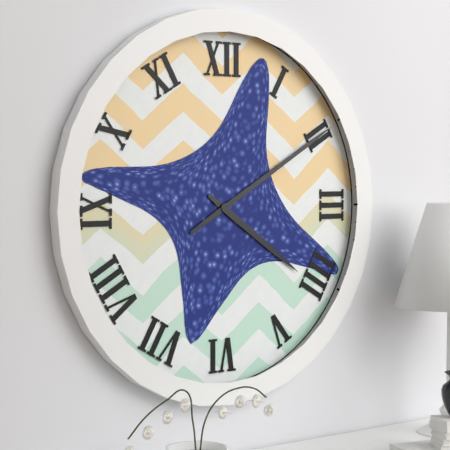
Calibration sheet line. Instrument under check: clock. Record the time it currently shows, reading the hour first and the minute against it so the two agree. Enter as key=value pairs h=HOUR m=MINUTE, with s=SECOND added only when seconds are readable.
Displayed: h=4 m=10
